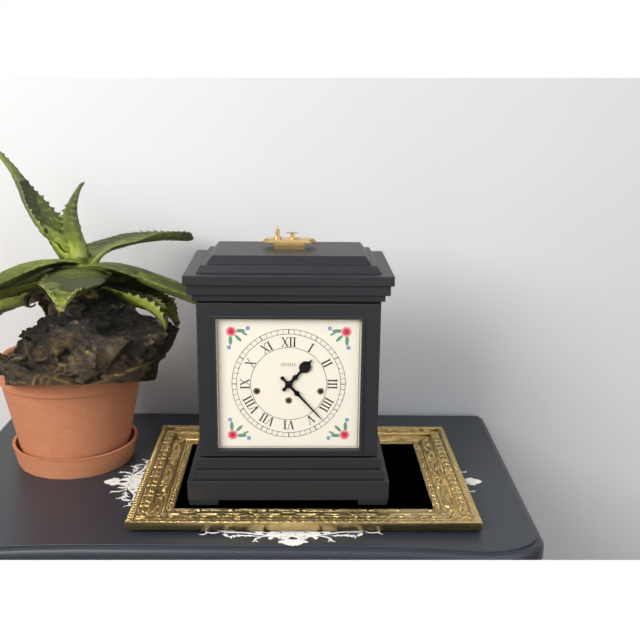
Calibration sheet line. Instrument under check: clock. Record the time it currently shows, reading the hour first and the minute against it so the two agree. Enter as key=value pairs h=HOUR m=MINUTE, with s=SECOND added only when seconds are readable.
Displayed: h=1 m=23
